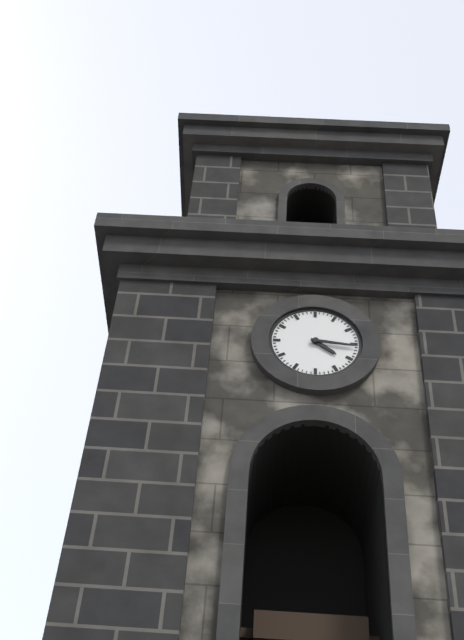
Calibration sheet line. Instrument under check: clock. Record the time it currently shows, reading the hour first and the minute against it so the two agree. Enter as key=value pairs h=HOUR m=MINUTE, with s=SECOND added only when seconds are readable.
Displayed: h=4 m=16
